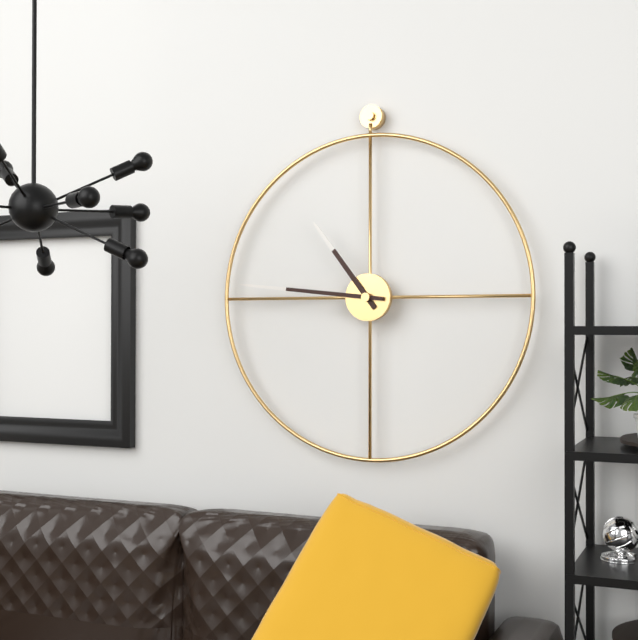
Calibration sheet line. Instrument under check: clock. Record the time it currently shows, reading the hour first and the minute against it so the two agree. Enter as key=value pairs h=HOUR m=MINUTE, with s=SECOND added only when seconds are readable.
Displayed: h=10 m=46
